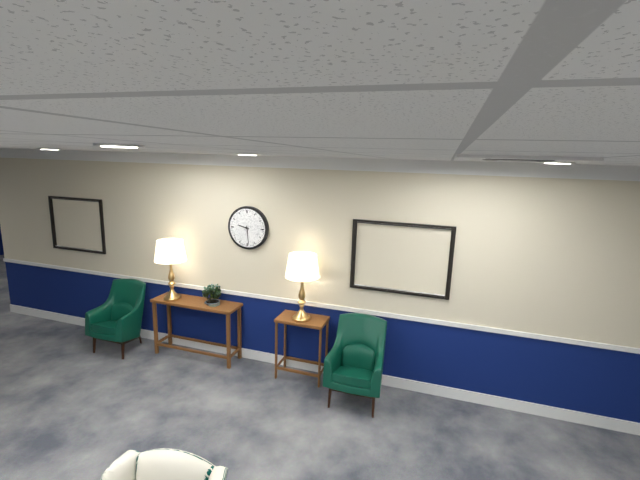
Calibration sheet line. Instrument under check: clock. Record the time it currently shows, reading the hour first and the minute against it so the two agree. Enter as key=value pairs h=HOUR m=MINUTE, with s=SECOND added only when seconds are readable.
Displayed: h=9 m=29
